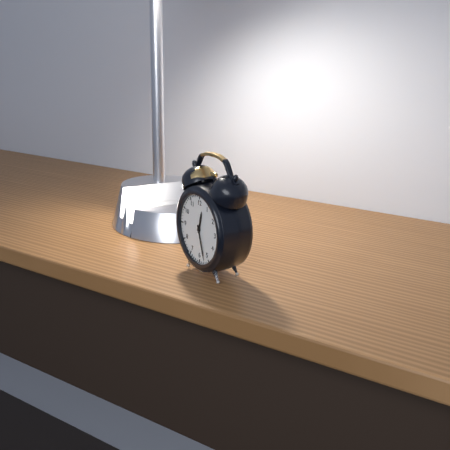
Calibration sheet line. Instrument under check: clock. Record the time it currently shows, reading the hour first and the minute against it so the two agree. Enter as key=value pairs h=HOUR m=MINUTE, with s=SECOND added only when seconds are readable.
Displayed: h=12 m=27
